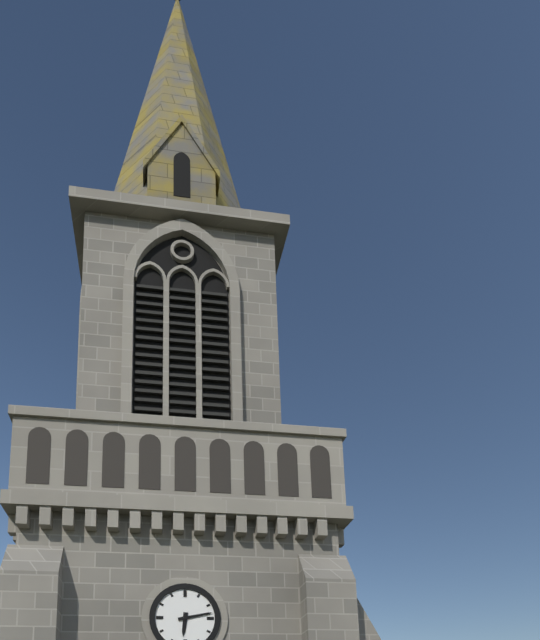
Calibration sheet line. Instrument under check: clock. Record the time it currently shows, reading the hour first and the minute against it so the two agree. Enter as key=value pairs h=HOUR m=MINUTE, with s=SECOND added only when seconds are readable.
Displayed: h=6 m=13
